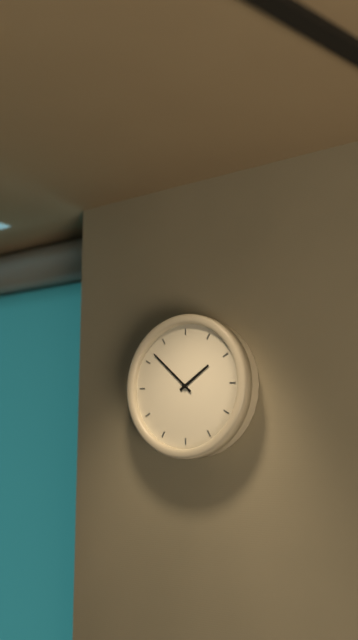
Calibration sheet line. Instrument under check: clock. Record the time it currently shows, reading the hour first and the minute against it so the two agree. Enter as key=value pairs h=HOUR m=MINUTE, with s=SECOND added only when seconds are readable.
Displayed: h=1 m=52
